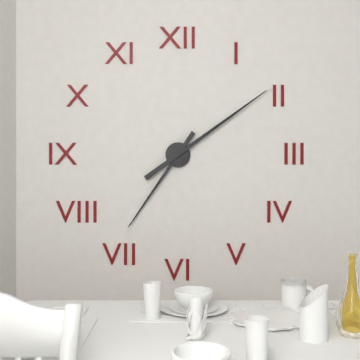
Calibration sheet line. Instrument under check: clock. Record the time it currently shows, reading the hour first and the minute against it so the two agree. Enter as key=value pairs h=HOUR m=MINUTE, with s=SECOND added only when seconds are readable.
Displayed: h=7 m=9
